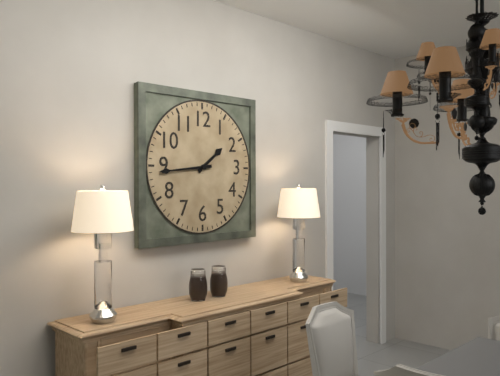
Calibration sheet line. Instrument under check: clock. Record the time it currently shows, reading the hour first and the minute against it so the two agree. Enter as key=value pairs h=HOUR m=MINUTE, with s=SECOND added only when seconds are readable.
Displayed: h=1 m=44
